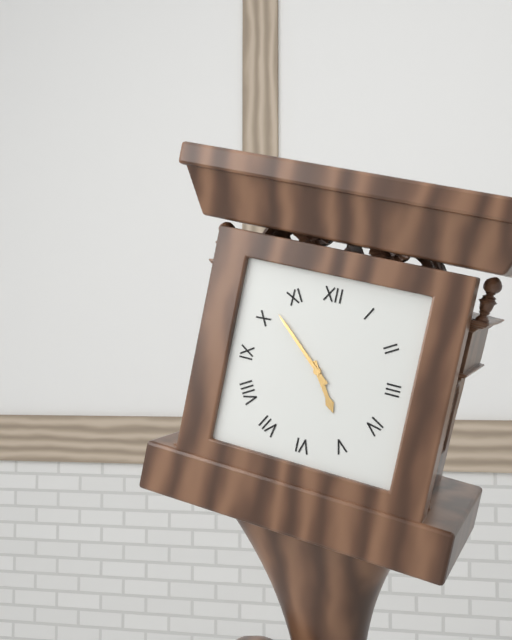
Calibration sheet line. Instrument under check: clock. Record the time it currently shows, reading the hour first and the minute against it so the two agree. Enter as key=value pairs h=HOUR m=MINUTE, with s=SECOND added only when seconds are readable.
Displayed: h=4 m=52
